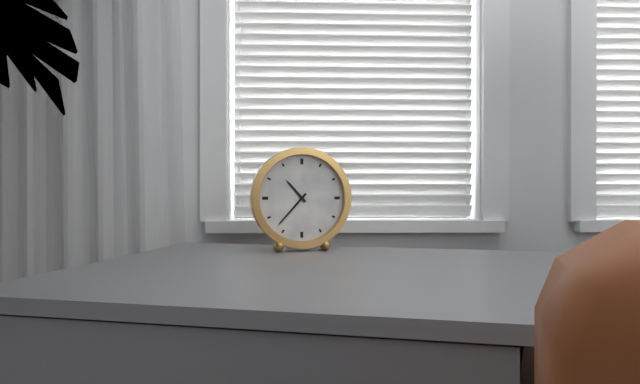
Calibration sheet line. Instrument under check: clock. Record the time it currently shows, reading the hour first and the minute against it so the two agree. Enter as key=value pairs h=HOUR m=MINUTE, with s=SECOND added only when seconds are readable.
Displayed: h=10 m=37
